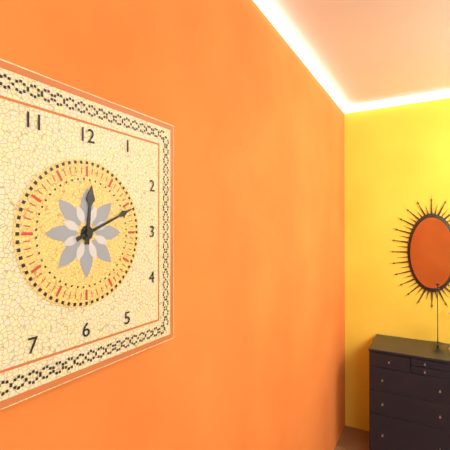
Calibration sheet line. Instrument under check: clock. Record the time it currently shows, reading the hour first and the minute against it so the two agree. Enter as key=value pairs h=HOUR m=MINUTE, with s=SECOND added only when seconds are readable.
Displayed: h=12 m=11
